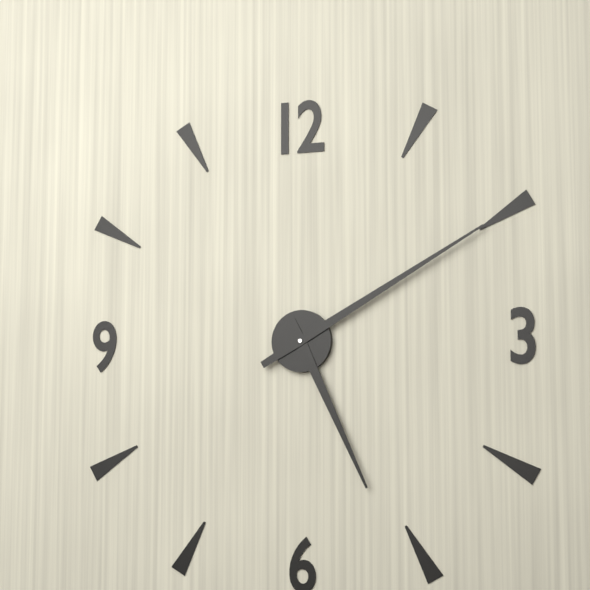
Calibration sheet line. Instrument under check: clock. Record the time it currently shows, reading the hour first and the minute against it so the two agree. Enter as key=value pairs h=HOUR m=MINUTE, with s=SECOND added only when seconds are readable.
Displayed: h=5 m=10
